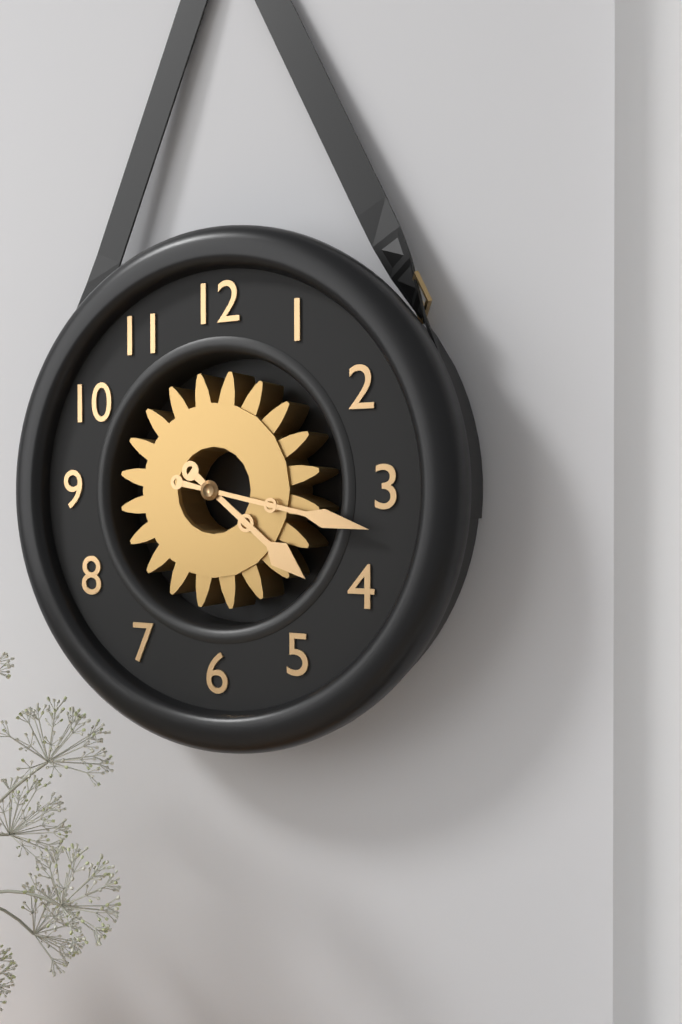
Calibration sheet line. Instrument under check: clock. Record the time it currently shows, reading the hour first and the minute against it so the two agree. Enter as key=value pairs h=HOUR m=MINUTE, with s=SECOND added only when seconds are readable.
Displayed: h=4 m=17
